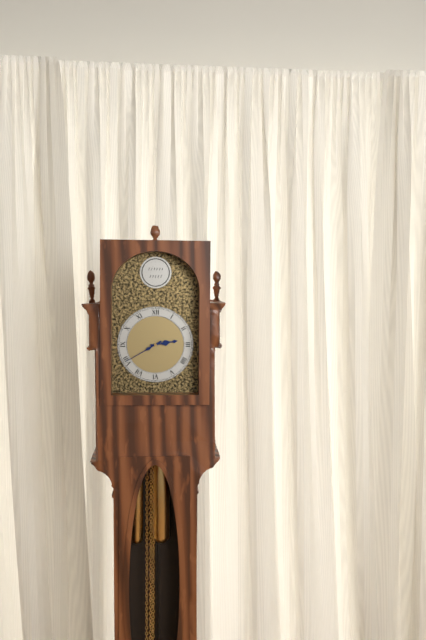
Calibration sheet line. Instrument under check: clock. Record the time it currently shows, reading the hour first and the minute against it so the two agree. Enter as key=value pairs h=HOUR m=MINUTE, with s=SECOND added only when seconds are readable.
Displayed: h=2 m=40
